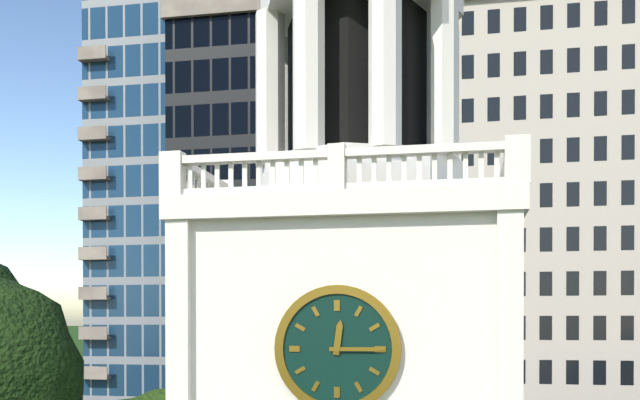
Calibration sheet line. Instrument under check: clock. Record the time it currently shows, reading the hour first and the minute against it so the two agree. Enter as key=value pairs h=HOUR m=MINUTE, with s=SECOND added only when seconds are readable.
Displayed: h=12 m=15
